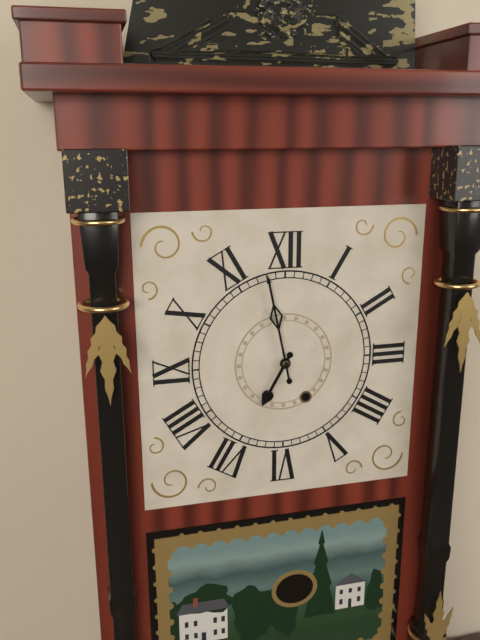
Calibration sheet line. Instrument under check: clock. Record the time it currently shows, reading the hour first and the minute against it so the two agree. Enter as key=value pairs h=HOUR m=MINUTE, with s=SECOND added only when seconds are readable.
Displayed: h=6 m=58
